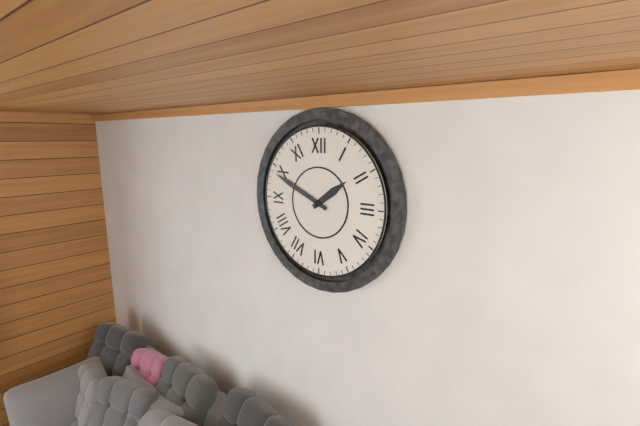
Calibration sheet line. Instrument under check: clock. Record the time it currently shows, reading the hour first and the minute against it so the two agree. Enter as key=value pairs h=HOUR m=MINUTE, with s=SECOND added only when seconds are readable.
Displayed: h=1 m=49
